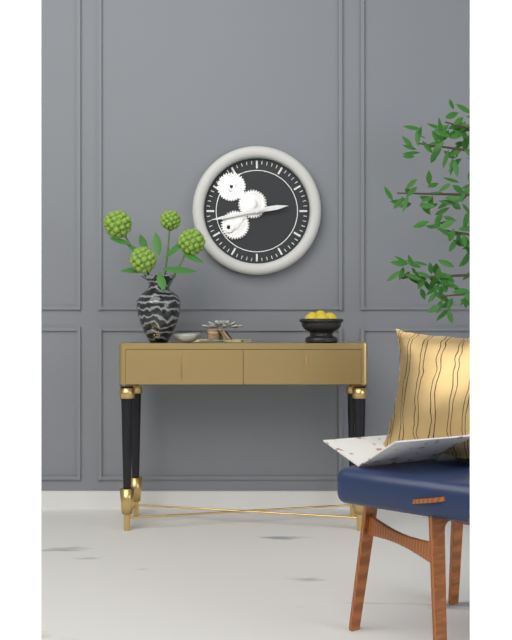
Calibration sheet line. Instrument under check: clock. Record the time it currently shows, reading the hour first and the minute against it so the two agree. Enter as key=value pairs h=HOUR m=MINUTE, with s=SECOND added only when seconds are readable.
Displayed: h=2 m=43
